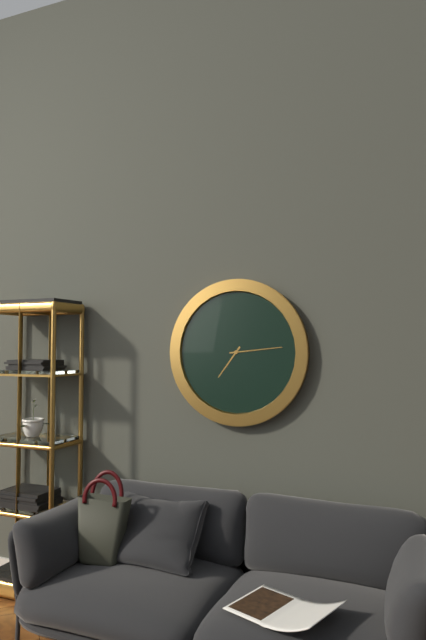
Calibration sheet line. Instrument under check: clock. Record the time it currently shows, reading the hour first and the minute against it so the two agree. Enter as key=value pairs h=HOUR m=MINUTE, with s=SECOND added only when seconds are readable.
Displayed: h=7 m=14
